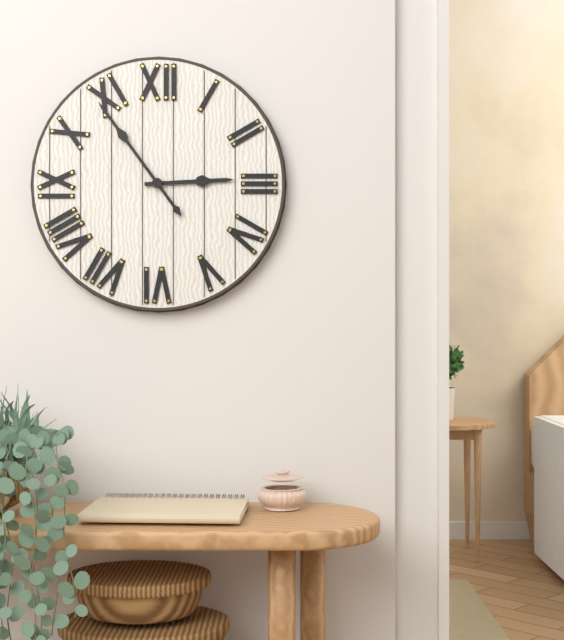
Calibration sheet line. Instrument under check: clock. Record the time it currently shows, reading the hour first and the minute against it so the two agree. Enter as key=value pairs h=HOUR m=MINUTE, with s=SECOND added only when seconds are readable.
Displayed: h=2 m=54
